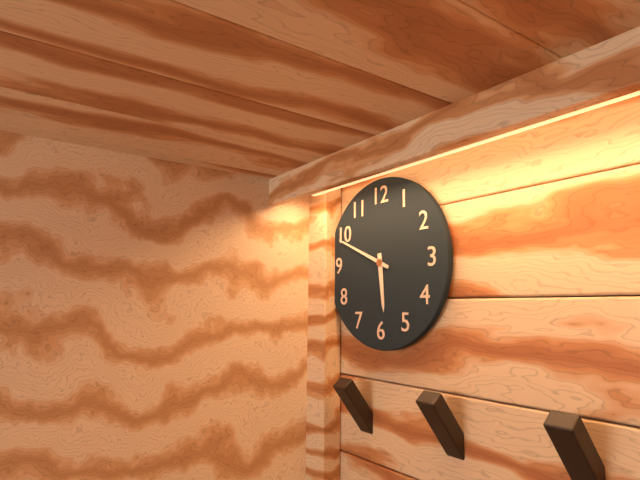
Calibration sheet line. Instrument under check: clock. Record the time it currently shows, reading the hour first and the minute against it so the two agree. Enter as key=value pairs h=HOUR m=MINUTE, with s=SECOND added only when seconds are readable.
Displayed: h=5 m=49
